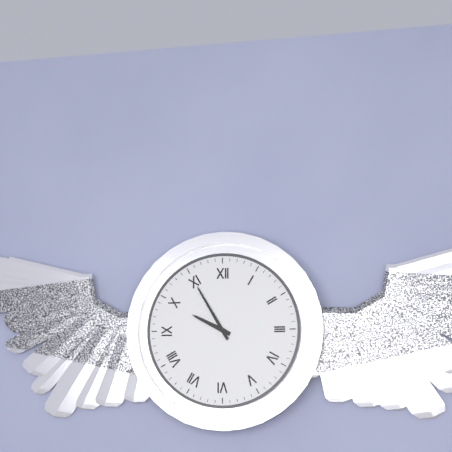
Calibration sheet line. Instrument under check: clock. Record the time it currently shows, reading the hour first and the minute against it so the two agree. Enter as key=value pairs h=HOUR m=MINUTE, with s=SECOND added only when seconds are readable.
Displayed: h=9 m=55
